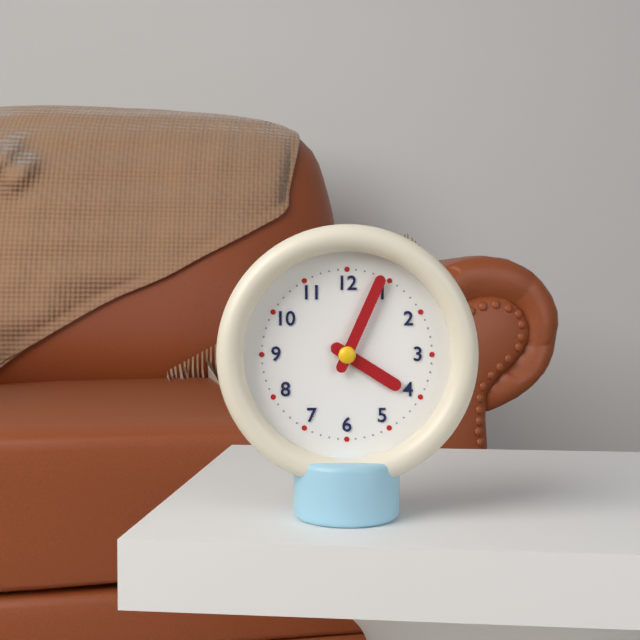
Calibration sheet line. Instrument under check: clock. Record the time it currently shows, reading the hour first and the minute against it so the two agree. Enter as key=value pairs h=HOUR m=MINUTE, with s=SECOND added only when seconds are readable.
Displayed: h=4 m=4
